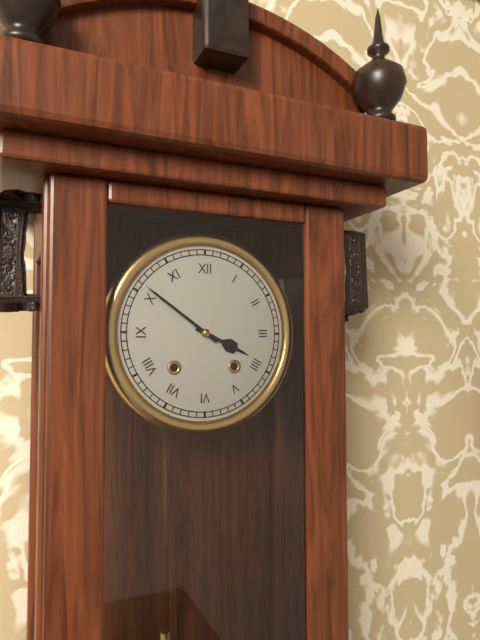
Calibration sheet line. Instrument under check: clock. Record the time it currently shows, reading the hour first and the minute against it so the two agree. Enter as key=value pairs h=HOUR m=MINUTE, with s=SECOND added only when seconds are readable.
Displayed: h=3 m=51
